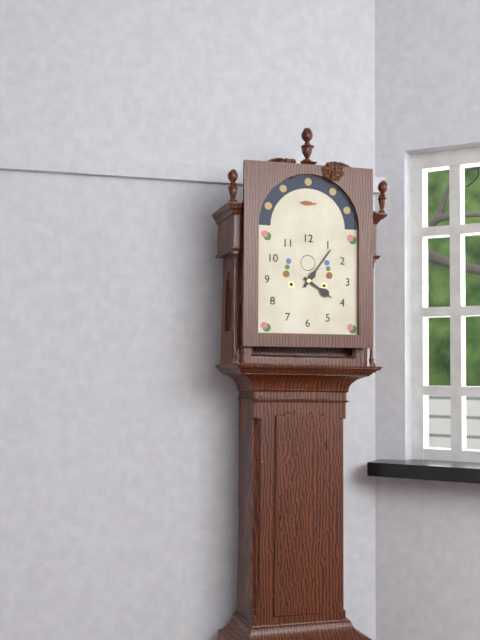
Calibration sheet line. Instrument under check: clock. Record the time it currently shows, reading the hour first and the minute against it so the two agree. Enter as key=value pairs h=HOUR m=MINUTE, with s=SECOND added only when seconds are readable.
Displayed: h=4 m=6
